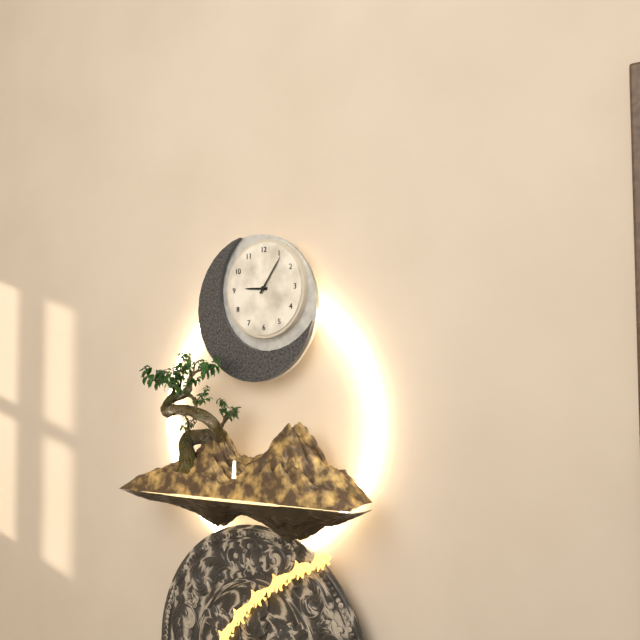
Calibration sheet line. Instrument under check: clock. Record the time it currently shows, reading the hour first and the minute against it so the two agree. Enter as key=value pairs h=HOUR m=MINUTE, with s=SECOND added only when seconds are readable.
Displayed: h=9 m=6
